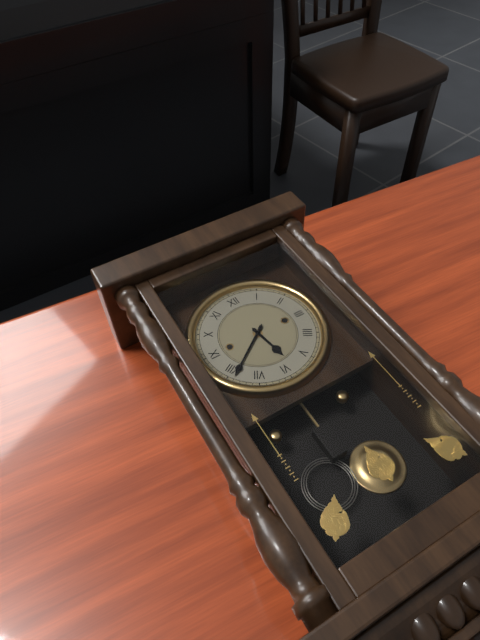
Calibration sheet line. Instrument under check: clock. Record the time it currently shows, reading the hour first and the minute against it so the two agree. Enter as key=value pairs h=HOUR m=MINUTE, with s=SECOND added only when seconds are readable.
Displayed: h=5 m=39
